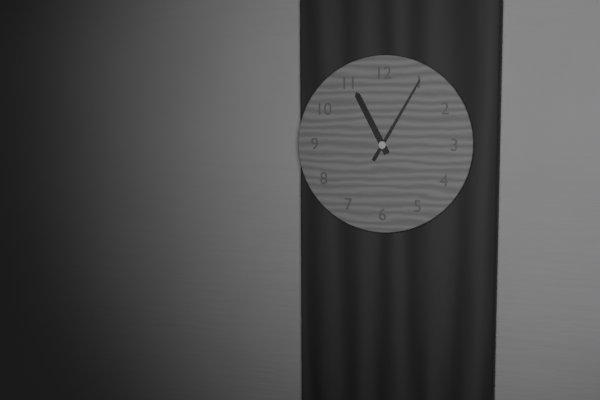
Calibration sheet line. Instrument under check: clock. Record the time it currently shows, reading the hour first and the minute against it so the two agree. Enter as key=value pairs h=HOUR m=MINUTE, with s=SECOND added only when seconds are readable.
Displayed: h=11 m=5
